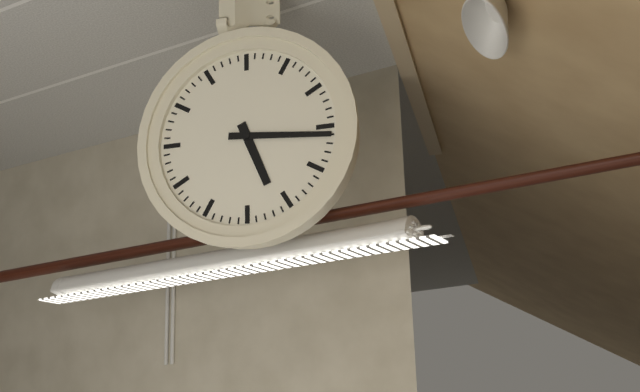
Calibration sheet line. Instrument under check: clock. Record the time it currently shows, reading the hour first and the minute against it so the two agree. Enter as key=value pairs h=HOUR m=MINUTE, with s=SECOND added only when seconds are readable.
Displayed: h=5 m=16
